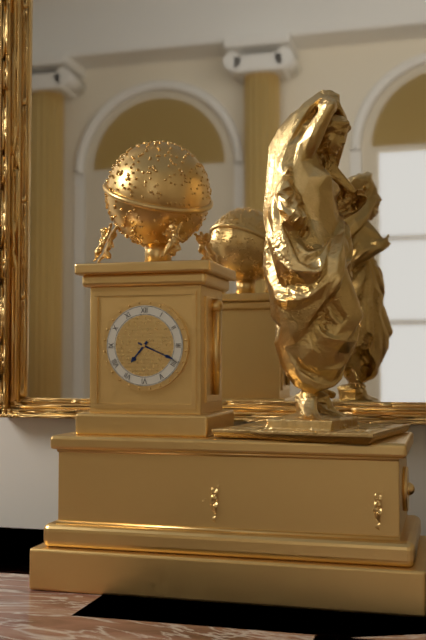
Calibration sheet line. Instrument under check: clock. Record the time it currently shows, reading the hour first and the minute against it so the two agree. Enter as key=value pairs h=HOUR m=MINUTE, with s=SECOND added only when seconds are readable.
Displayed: h=7 m=19
